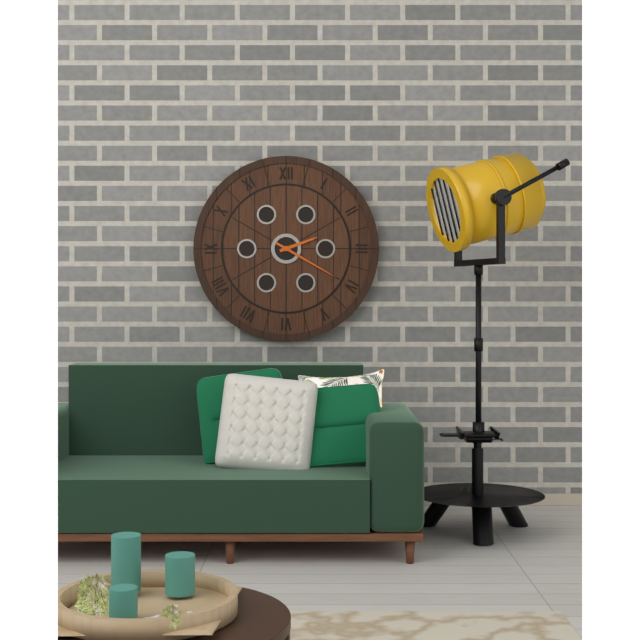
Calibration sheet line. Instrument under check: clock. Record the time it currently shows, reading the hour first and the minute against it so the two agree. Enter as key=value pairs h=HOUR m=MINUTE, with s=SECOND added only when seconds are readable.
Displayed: h=2 m=20
